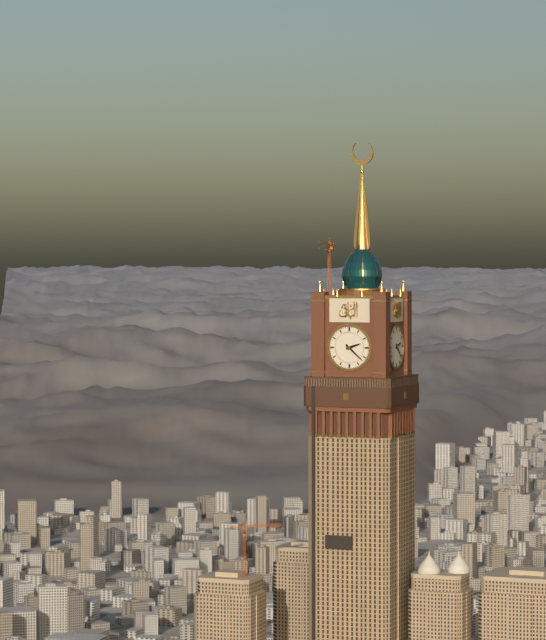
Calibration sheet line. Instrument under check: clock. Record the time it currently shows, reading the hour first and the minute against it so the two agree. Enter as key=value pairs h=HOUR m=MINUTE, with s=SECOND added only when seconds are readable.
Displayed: h=2 m=22
